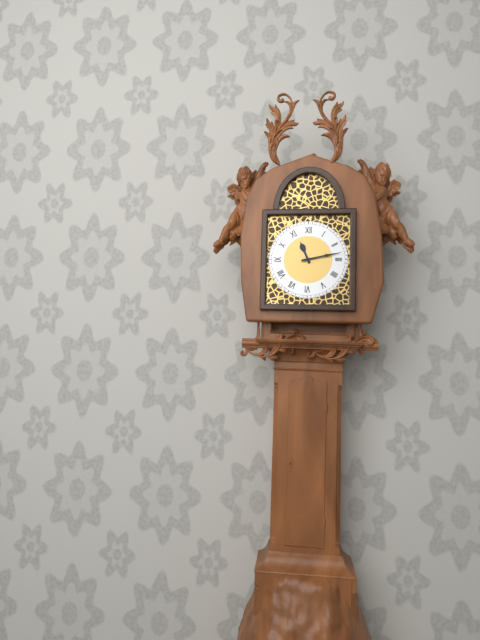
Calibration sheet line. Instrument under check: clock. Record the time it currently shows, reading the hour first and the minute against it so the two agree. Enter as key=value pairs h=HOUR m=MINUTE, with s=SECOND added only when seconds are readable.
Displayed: h=11 m=13
